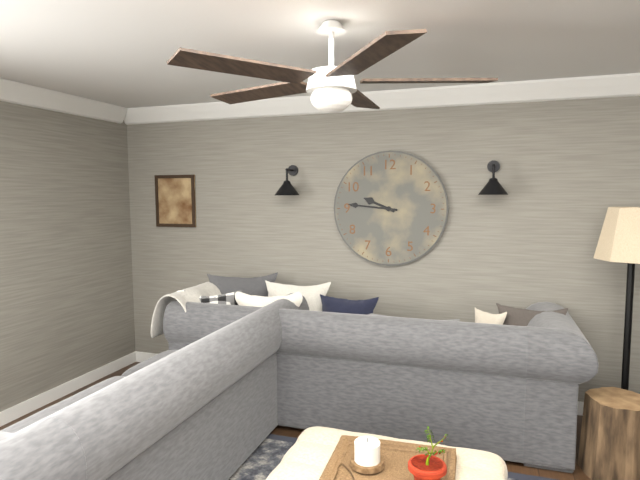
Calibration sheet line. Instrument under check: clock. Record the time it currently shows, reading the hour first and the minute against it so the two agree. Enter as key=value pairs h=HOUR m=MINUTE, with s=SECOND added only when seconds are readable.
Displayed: h=9 m=46
